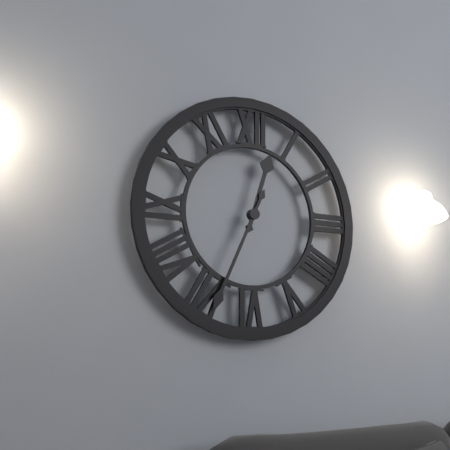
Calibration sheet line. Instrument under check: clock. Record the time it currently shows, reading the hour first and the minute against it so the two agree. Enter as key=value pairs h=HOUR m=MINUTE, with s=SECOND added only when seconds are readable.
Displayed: h=12 m=34
